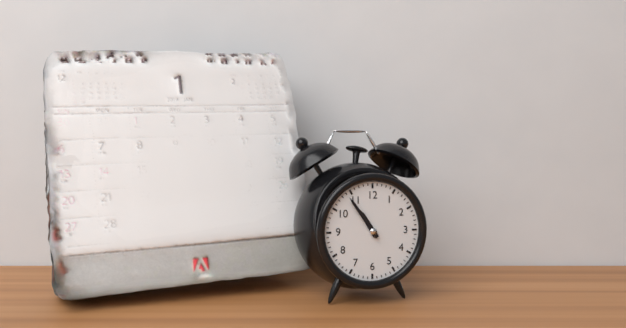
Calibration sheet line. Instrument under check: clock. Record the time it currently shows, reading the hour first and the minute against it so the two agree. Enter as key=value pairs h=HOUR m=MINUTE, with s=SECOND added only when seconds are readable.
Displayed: h=10 m=54
